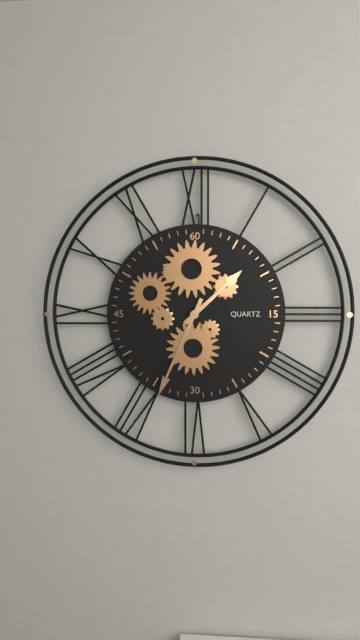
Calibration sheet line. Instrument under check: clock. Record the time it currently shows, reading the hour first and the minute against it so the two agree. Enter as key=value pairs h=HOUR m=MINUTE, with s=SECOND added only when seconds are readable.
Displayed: h=1 m=34
